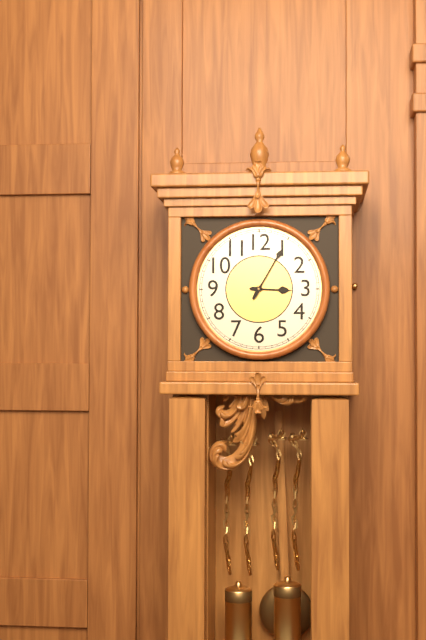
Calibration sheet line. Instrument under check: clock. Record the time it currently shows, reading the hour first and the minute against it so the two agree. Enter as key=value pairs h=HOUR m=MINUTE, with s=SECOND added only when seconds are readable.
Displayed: h=3 m=5
